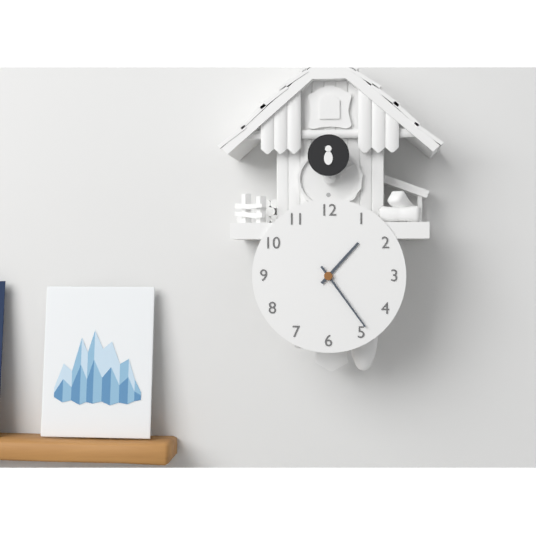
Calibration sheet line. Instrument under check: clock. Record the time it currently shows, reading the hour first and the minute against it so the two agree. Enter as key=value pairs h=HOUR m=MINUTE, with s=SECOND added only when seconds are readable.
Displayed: h=1 m=24
